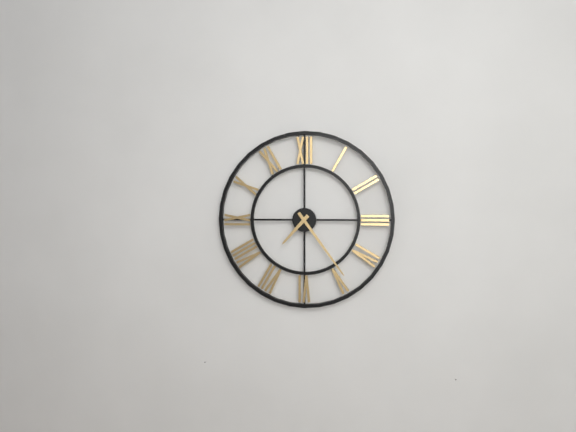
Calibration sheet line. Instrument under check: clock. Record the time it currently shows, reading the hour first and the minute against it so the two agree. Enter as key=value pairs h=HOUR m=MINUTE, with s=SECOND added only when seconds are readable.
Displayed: h=7 m=24
